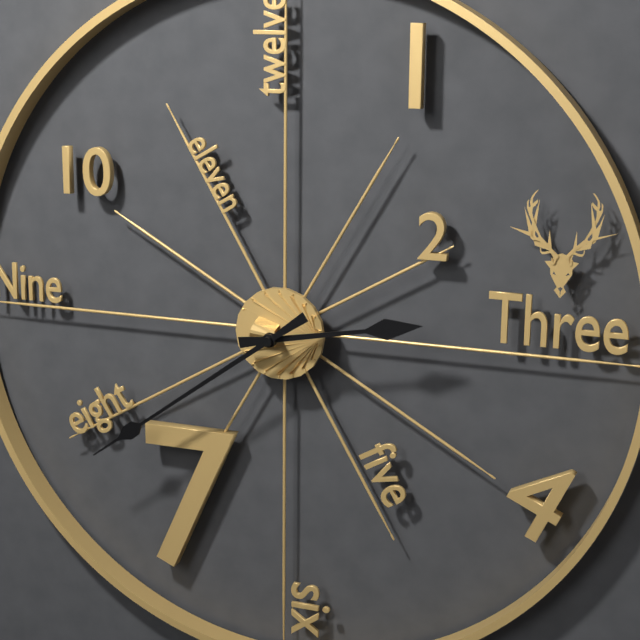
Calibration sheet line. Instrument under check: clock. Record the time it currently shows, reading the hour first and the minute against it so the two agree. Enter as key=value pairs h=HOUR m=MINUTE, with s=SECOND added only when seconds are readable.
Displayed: h=2 m=39
